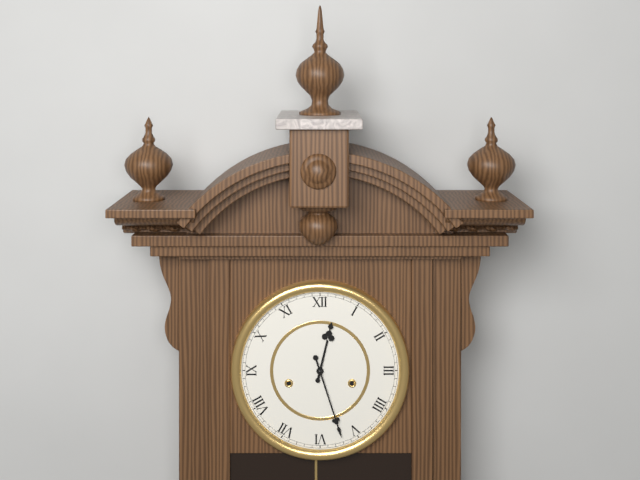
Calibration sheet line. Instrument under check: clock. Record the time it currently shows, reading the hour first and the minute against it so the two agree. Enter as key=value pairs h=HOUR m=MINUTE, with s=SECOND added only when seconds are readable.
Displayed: h=12 m=27
